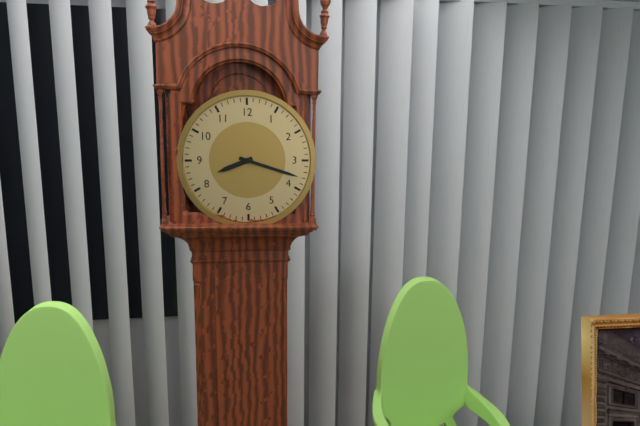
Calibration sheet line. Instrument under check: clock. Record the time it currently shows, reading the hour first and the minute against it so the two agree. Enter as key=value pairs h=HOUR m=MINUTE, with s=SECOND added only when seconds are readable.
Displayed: h=8 m=18
